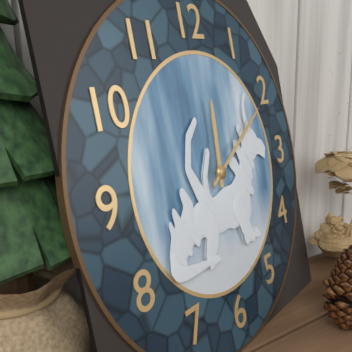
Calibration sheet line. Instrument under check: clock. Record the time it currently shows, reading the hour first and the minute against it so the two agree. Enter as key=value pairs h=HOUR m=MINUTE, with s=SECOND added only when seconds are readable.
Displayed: h=12 m=10
